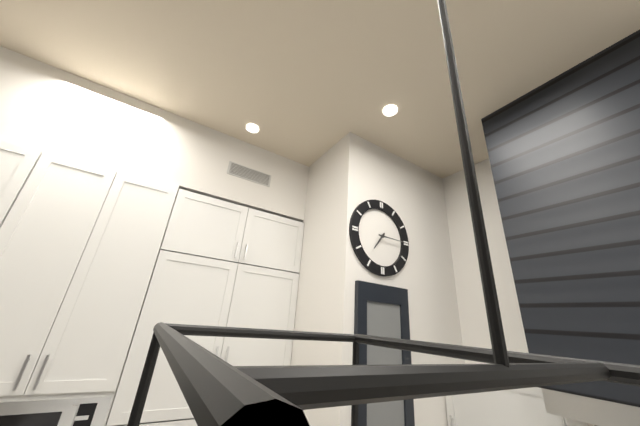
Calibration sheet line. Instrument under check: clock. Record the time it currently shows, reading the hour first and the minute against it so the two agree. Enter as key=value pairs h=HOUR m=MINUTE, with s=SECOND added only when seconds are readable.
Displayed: h=7 m=15
